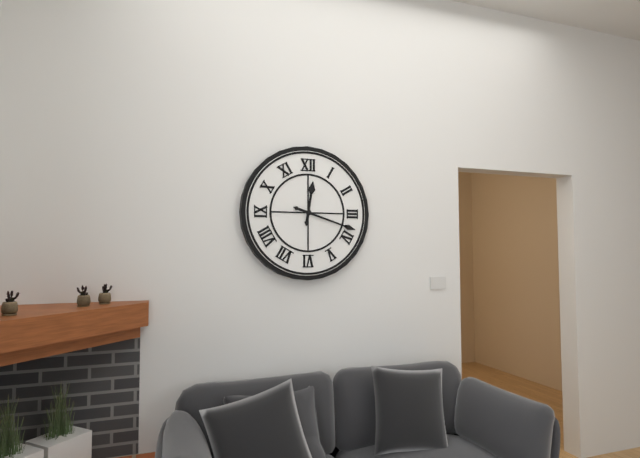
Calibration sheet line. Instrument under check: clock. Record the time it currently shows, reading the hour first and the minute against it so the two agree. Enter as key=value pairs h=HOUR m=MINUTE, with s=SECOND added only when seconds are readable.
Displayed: h=12 m=18
